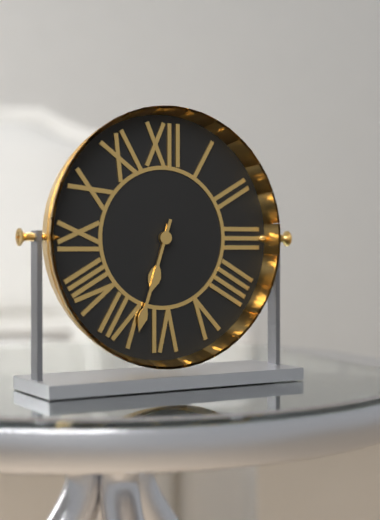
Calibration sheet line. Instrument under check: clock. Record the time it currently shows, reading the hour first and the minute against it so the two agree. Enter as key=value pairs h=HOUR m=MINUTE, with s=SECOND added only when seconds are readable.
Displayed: h=6 m=33
